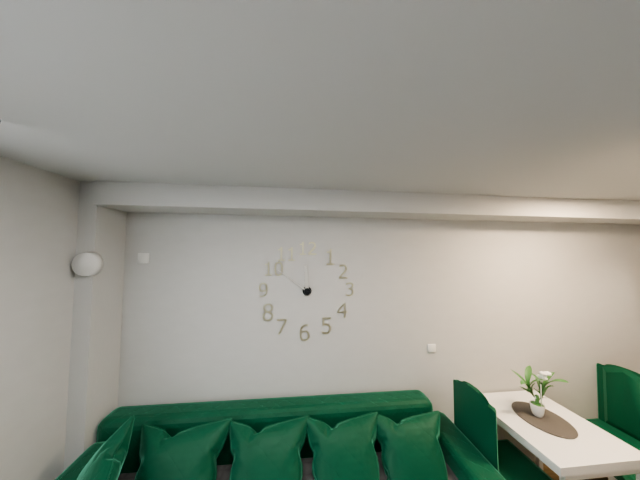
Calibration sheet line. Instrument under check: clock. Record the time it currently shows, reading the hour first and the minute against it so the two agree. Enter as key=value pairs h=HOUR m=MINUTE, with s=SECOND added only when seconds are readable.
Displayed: h=11 m=51
